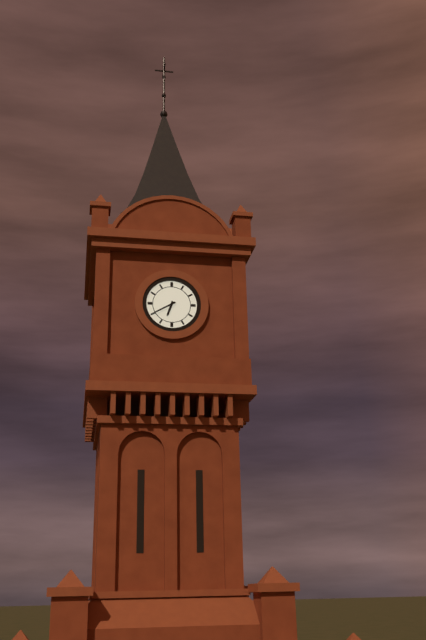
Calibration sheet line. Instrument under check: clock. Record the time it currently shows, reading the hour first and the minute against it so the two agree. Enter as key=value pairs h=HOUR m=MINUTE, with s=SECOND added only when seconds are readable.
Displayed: h=6 m=40
